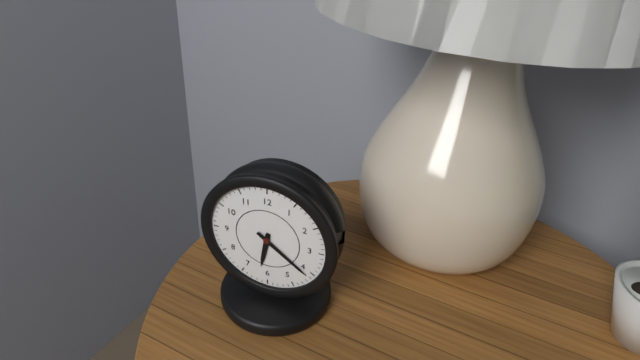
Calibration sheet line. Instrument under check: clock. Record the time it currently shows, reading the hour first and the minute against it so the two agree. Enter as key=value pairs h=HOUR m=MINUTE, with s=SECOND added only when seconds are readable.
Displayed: h=6 m=21
